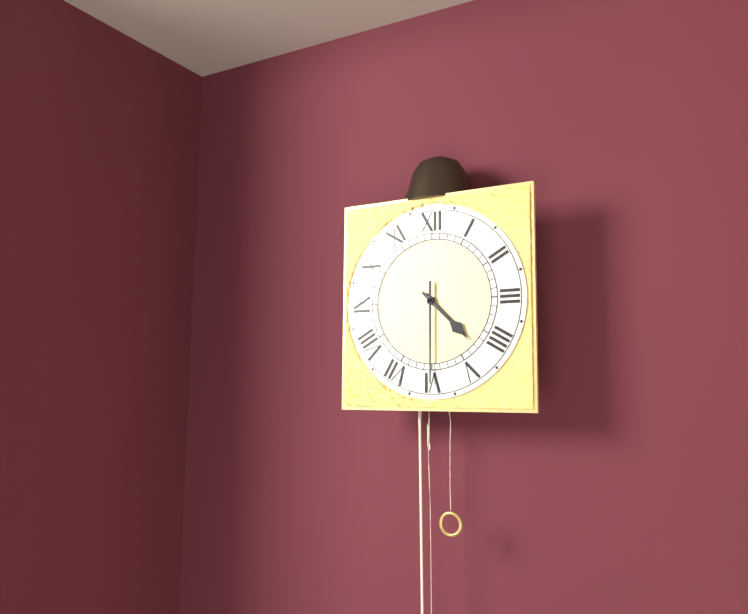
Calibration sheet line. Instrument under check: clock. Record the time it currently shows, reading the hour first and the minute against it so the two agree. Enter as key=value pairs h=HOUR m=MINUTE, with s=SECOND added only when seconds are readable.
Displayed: h=4 m=30
